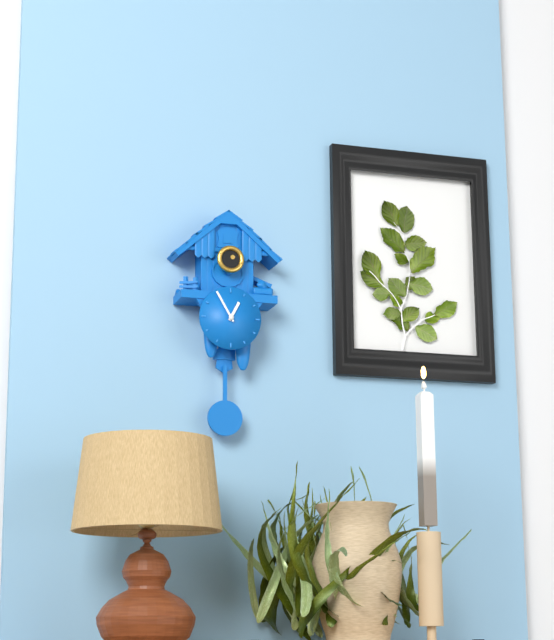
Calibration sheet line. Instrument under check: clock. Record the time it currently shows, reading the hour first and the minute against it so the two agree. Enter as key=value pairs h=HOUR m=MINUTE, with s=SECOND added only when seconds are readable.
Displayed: h=12 m=55
